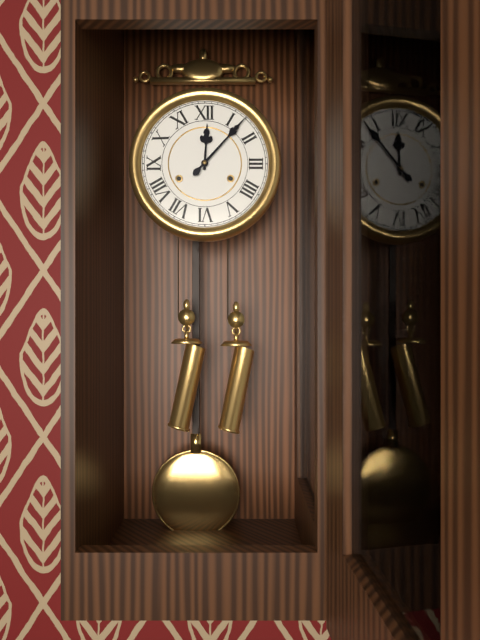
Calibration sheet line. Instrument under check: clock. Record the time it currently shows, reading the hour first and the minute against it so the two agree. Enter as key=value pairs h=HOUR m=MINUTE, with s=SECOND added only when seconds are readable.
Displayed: h=12 m=7
